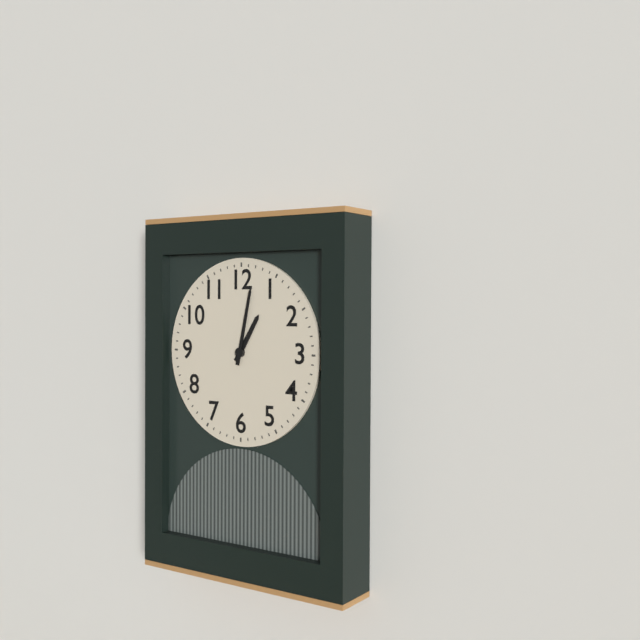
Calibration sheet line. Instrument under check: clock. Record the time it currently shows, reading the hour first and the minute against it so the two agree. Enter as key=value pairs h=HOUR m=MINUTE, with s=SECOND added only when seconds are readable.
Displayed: h=1 m=2
